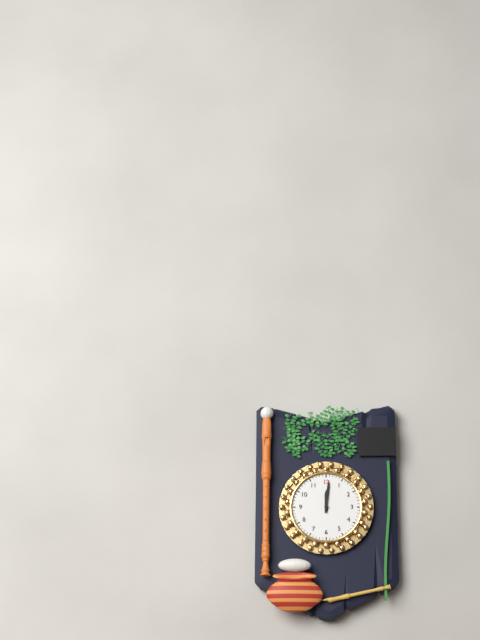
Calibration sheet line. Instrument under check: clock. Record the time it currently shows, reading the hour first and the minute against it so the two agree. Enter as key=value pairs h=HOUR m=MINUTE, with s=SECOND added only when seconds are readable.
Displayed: h=12 m=1
